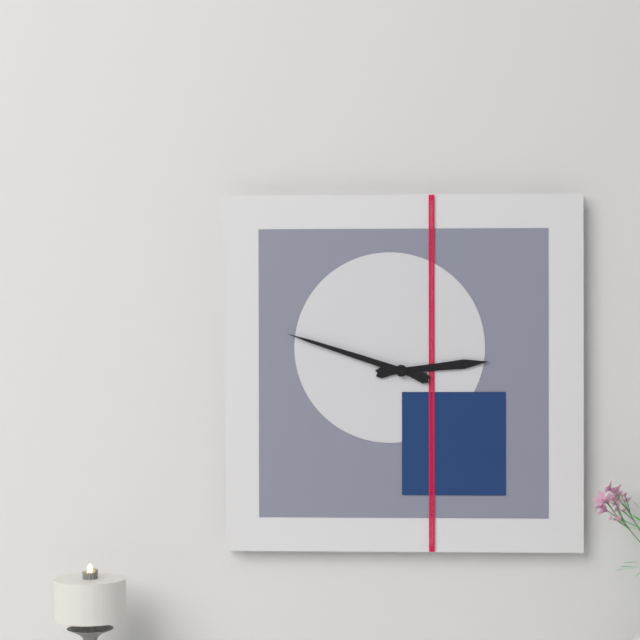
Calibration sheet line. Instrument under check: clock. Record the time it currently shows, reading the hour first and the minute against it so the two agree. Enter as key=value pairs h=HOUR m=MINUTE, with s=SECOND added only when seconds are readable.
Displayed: h=2 m=48
